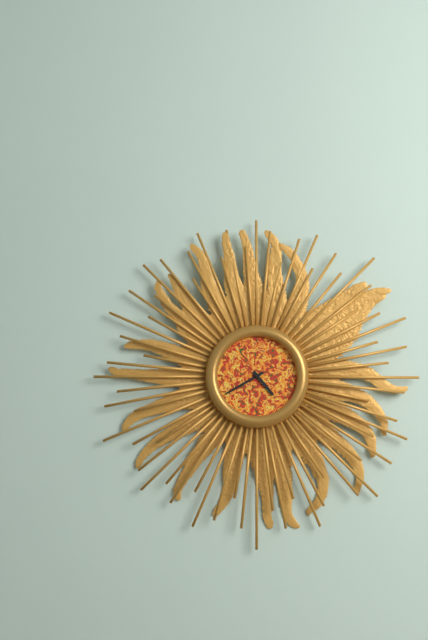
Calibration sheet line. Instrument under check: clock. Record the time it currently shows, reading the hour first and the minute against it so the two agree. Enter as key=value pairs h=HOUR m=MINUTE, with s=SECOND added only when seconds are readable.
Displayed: h=4 m=40
